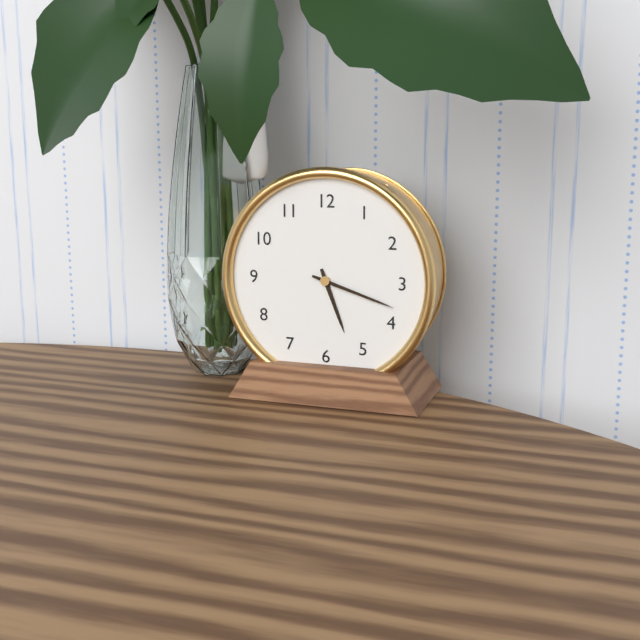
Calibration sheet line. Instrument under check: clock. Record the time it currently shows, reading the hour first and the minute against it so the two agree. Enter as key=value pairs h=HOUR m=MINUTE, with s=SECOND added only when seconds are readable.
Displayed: h=5 m=18
